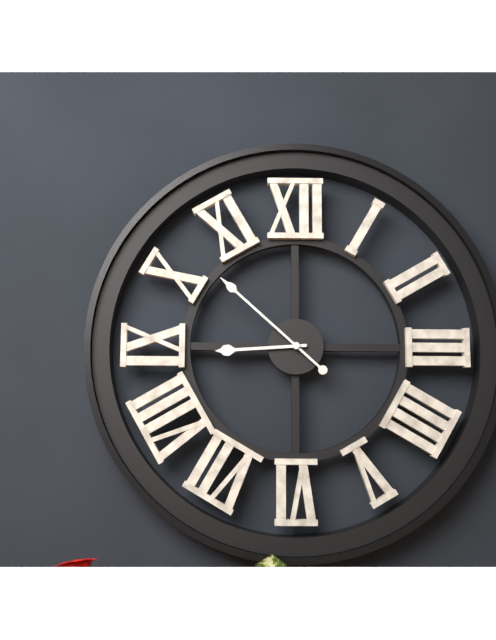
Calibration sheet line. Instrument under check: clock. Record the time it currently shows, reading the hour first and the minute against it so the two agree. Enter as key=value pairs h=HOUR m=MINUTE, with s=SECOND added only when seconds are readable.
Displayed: h=8 m=52
